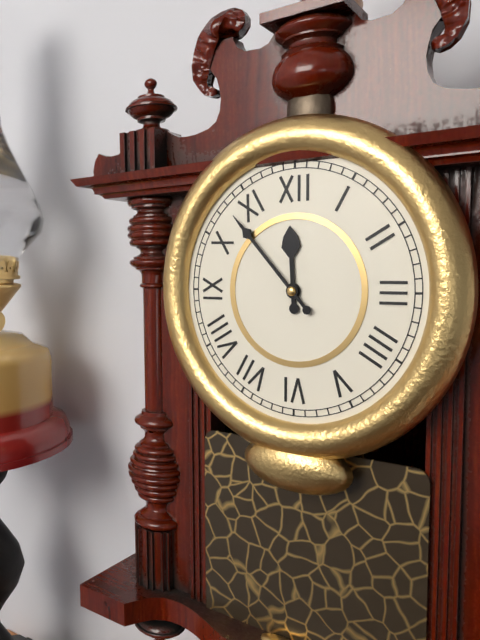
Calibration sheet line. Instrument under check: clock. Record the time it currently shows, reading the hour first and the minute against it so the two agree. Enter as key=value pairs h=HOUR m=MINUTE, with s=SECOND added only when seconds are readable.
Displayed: h=11 m=53
